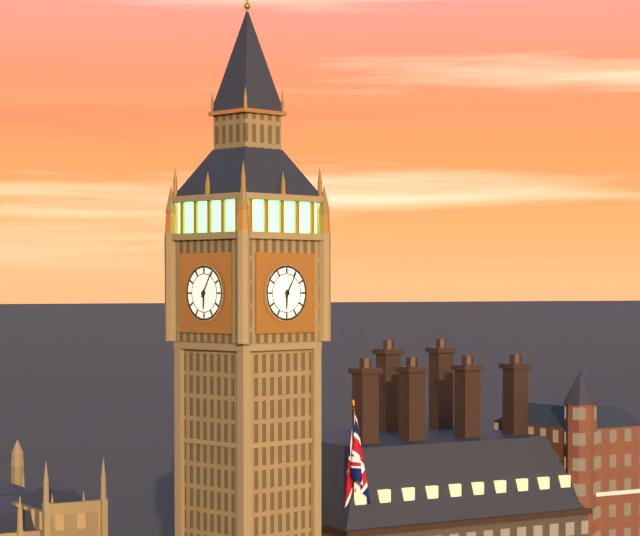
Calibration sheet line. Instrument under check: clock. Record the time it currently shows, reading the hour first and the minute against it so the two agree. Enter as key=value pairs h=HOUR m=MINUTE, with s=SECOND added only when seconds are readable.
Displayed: h=6 m=5
